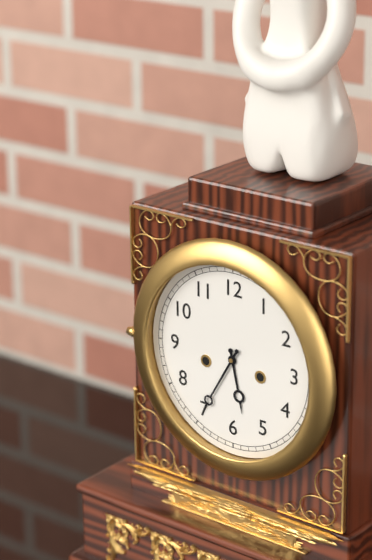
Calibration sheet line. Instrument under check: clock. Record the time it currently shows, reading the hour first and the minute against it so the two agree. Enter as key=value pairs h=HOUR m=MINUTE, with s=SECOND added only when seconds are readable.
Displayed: h=5 m=35
